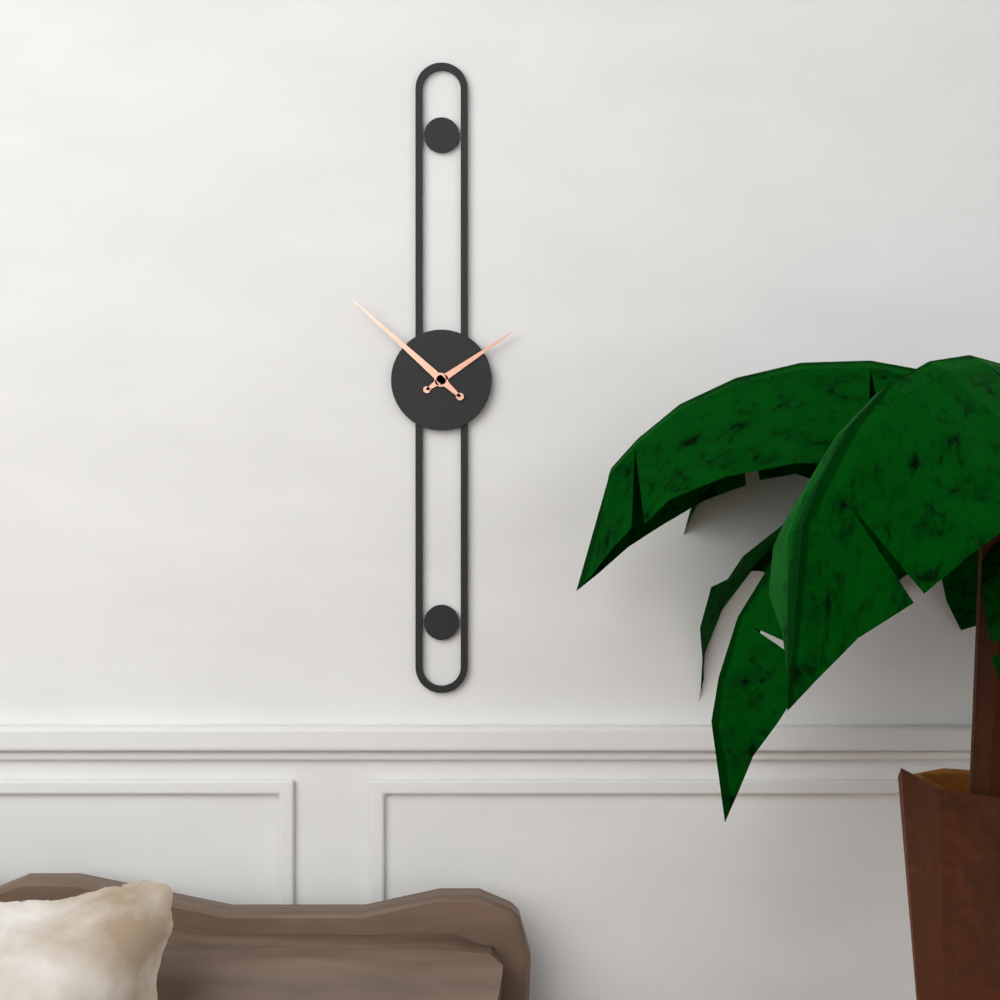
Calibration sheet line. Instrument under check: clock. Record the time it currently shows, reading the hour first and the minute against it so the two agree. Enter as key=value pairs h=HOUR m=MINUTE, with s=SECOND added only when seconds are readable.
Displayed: h=1 m=52
